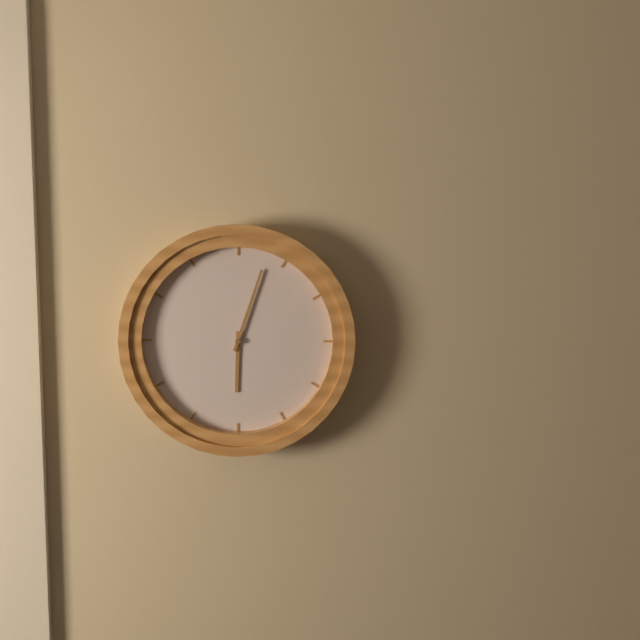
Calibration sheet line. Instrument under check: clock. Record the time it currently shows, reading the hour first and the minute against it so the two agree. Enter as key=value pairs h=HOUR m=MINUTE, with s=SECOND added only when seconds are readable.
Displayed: h=6 m=3
